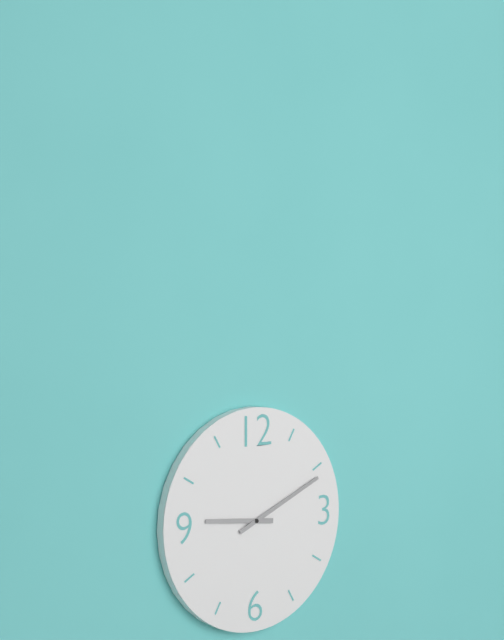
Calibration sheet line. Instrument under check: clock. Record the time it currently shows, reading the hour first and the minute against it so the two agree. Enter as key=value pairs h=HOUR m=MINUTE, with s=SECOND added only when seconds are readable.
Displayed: h=9 m=11
